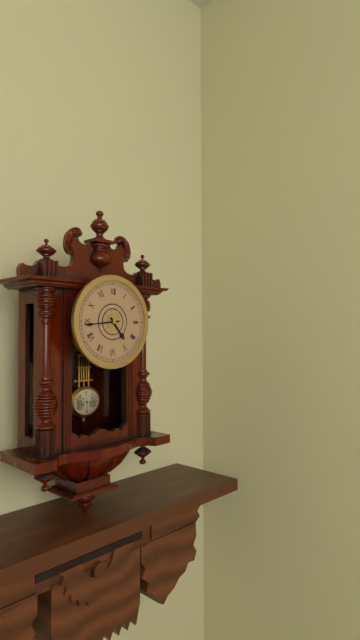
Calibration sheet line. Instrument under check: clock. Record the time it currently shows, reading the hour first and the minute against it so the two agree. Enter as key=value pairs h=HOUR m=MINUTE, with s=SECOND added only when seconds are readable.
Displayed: h=4 m=44
